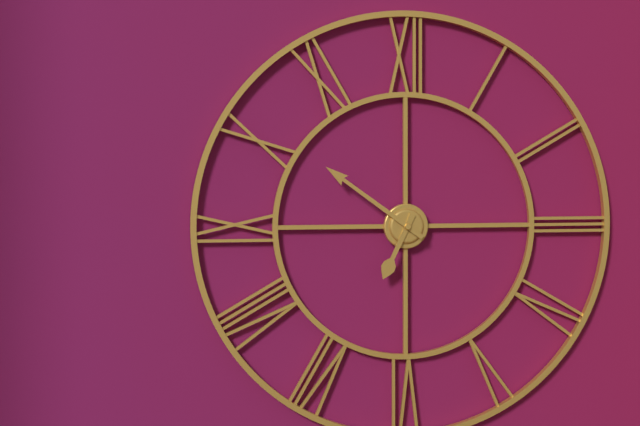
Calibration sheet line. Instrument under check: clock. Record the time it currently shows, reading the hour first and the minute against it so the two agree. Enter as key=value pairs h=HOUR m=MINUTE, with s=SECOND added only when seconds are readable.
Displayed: h=6 m=51
